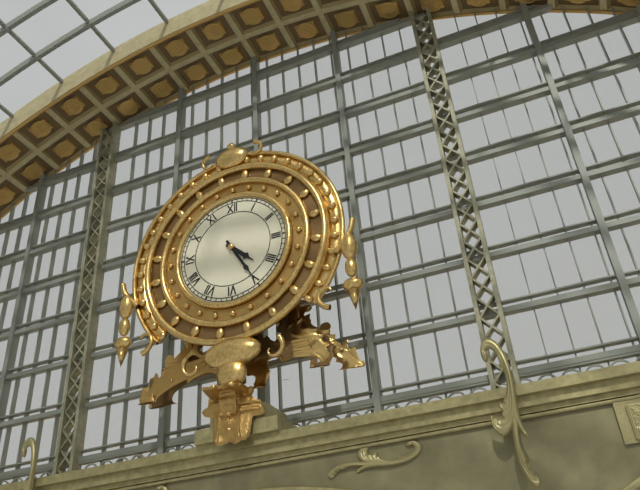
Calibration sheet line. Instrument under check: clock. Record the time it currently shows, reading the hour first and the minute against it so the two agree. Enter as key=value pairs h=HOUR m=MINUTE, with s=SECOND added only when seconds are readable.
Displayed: h=4 m=25
